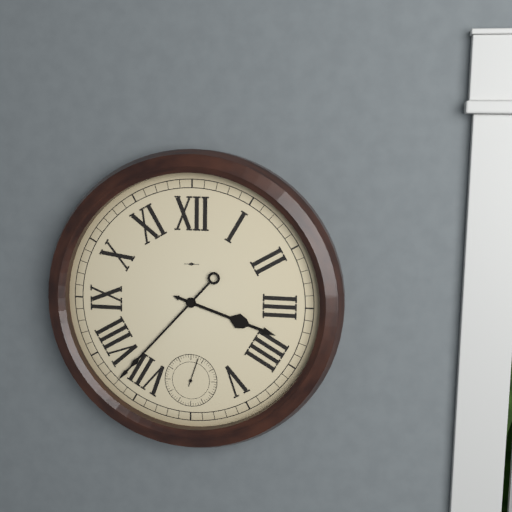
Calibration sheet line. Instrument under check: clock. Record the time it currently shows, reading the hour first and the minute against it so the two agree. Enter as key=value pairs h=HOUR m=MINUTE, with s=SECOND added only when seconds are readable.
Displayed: h=3 m=37
